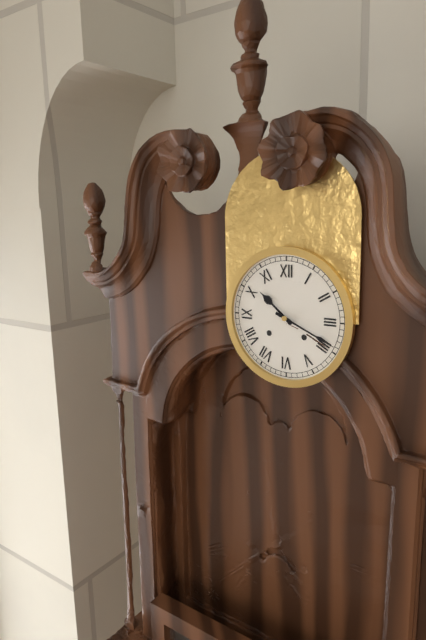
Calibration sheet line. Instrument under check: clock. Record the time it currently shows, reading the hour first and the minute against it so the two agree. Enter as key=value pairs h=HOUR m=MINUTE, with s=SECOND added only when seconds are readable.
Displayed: h=10 m=19
